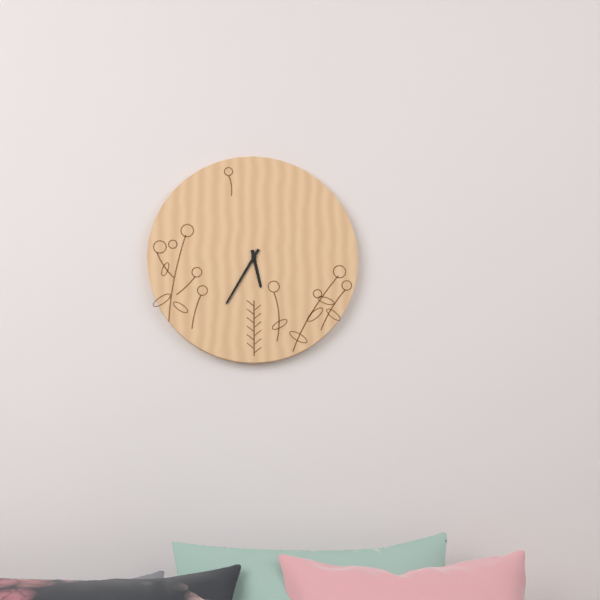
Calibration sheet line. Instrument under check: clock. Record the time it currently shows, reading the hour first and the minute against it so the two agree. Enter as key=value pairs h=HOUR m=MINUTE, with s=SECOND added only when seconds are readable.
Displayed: h=5 m=35
